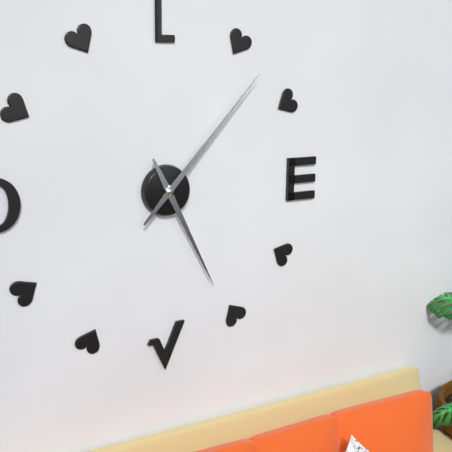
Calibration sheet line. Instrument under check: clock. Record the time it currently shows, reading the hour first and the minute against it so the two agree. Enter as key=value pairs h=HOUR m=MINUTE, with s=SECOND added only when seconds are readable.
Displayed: h=5 m=7
